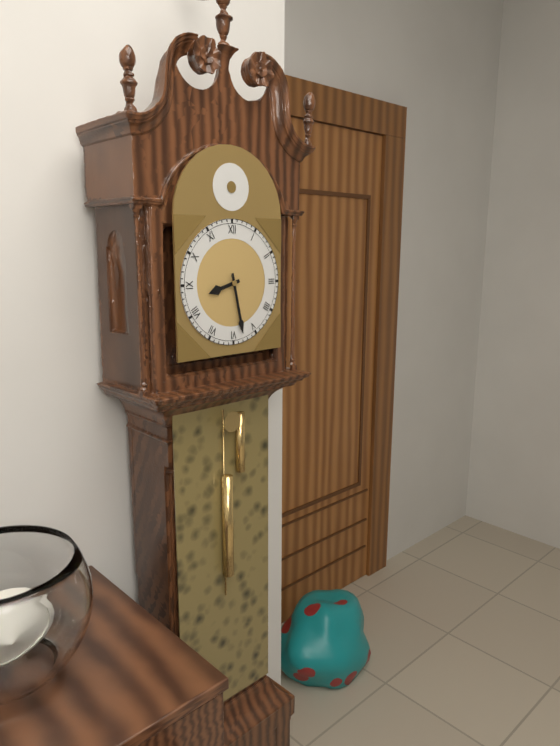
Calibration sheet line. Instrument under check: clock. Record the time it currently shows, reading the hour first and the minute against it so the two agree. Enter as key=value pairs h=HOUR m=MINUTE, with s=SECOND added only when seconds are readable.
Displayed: h=8 m=28
